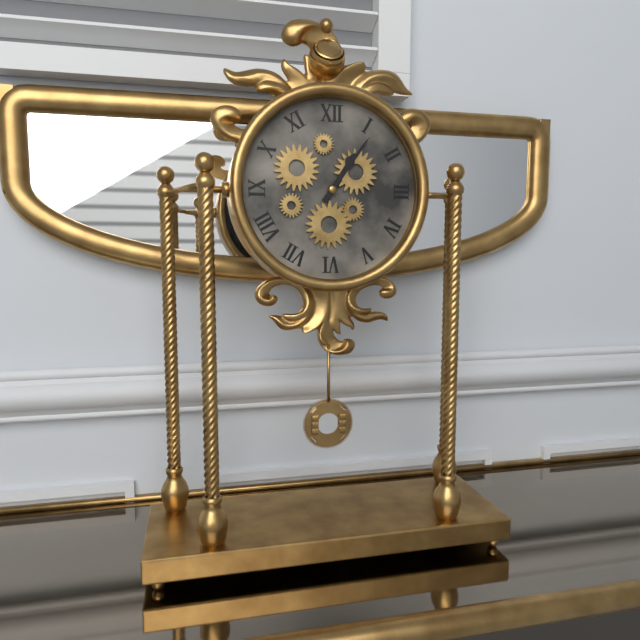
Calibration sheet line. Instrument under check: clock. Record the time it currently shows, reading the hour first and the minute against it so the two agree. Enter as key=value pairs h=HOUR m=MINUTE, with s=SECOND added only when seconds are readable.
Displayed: h=1 m=6
